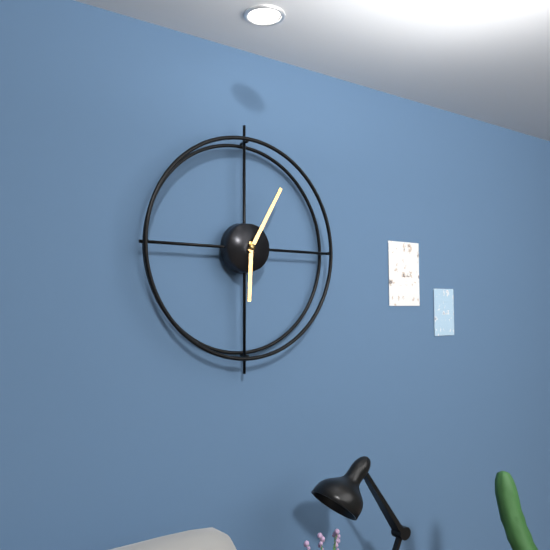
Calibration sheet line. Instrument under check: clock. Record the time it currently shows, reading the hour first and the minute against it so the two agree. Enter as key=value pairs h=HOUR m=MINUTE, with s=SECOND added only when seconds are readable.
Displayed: h=6 m=5
